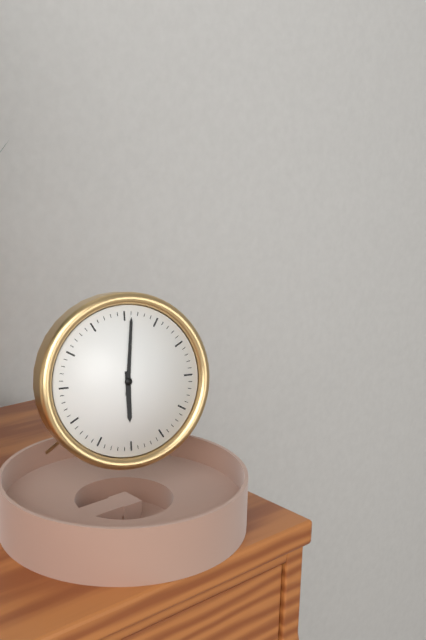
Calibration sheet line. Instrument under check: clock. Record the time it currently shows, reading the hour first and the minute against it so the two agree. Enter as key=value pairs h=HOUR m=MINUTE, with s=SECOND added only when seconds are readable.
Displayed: h=6 m=1
